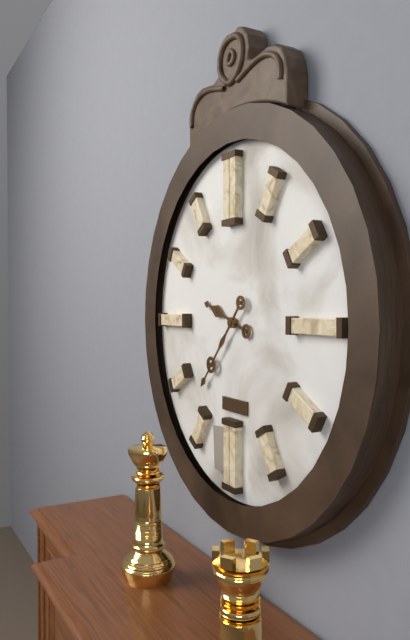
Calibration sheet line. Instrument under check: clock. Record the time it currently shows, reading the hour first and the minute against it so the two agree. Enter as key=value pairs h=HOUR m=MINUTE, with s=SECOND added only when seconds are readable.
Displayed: h=9 m=37
